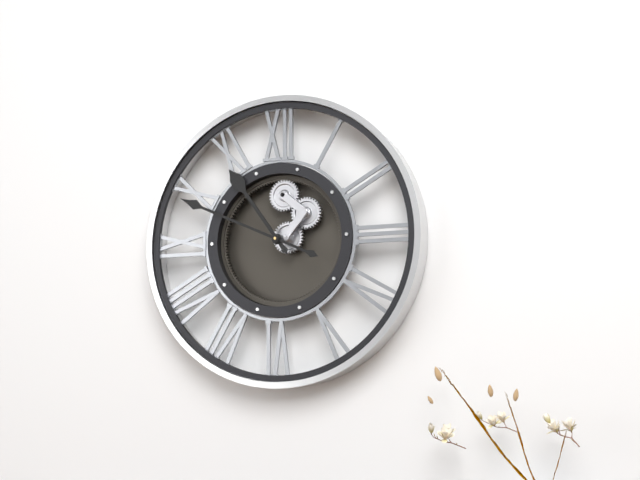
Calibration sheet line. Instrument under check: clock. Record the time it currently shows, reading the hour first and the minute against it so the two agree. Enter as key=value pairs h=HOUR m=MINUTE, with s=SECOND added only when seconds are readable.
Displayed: h=10 m=49
